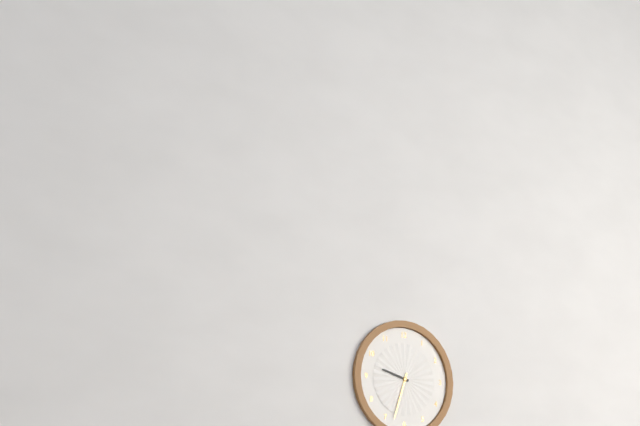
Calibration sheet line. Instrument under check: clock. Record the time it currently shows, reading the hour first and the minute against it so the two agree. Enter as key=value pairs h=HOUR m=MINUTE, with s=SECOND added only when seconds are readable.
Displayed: h=9 m=33
